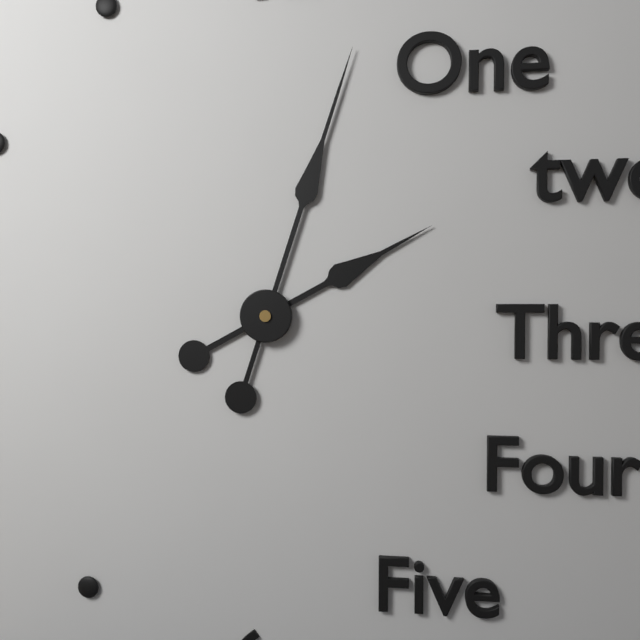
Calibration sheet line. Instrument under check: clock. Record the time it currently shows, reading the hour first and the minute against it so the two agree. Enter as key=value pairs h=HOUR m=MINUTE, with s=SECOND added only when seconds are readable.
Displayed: h=2 m=3
